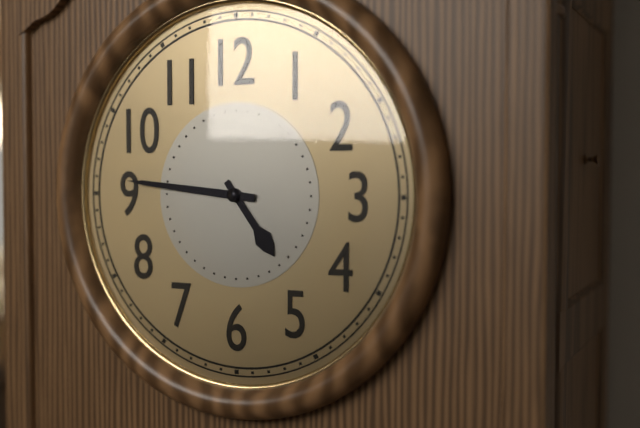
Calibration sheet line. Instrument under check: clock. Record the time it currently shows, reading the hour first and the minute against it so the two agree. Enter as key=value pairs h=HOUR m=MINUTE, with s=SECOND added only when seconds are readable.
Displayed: h=4 m=46
